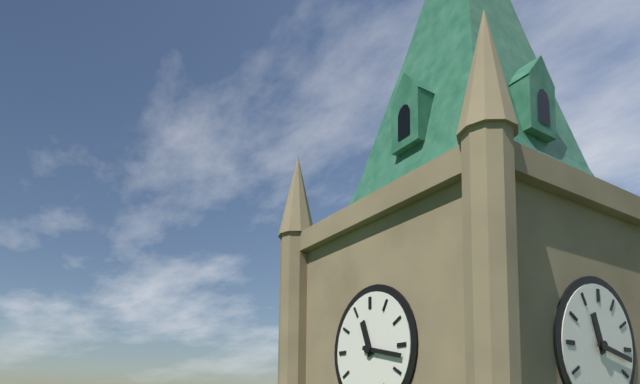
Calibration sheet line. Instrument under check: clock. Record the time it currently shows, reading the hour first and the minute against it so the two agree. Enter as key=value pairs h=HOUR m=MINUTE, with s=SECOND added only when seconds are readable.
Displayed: h=11 m=17
